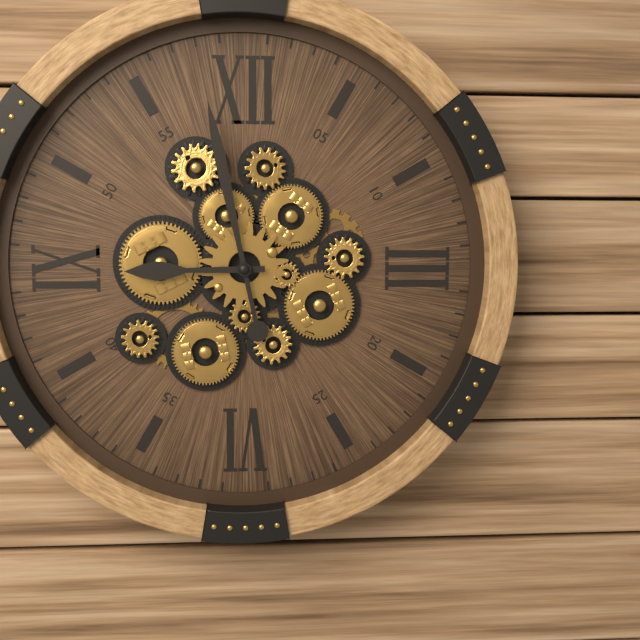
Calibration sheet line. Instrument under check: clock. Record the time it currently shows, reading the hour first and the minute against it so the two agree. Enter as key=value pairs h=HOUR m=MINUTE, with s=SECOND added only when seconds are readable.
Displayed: h=8 m=58
